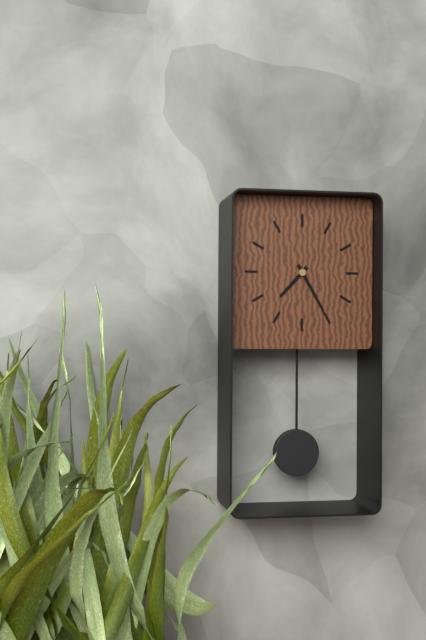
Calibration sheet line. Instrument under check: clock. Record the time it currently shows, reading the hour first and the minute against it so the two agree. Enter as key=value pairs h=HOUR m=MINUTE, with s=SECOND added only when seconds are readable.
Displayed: h=7 m=25
